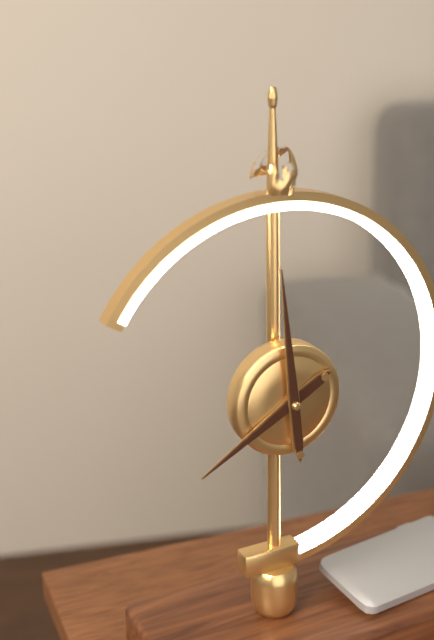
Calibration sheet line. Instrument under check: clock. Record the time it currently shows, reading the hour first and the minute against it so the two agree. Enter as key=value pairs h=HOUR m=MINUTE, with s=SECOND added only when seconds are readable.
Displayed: h=7 m=59
